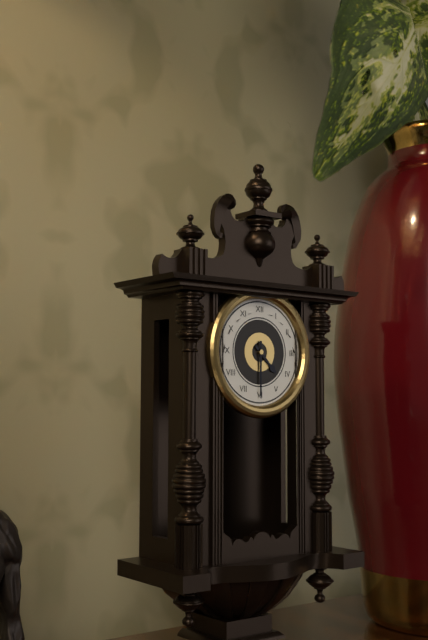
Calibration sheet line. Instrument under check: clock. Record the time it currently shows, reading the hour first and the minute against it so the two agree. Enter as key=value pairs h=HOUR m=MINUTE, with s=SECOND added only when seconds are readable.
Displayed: h=4 m=30
